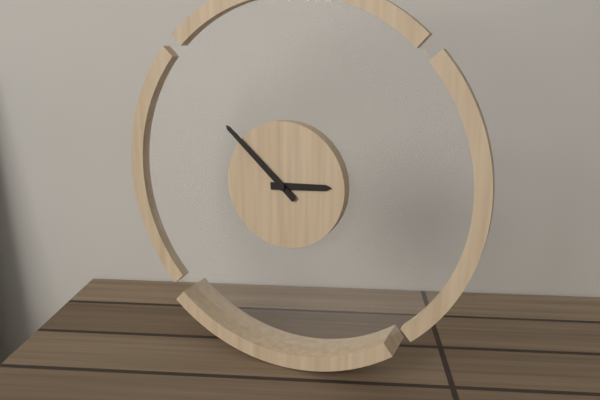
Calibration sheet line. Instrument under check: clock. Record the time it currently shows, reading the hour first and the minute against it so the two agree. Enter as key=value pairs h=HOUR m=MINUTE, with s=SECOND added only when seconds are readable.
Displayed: h=2 m=52
